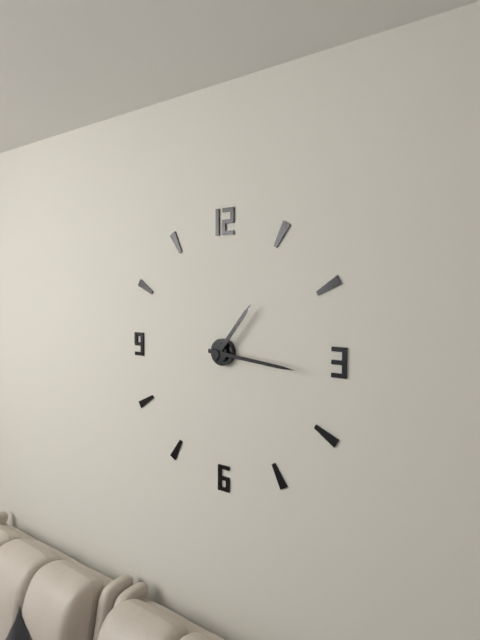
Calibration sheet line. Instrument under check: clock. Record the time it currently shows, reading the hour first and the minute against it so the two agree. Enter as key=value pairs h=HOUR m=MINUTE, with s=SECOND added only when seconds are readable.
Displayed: h=1 m=16
